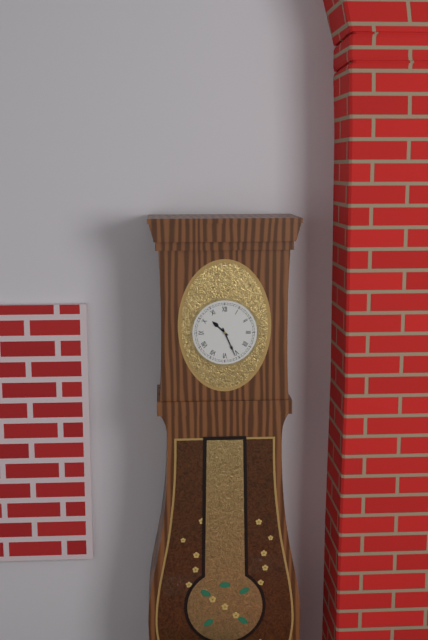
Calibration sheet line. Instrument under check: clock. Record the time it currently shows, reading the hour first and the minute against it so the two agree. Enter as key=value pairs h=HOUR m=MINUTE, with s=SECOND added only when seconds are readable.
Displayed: h=10 m=26
